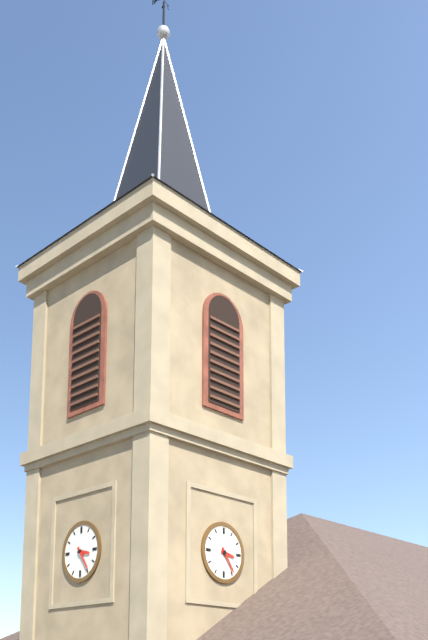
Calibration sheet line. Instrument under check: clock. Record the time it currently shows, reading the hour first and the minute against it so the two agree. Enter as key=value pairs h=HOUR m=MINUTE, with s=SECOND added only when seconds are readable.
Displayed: h=3 m=24
